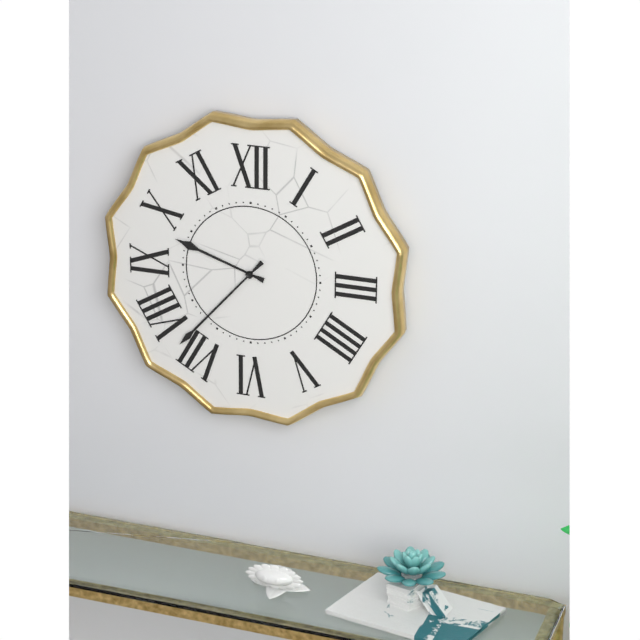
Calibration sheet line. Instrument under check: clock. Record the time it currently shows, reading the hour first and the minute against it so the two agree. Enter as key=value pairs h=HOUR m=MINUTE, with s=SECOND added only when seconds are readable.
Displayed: h=9 m=37
